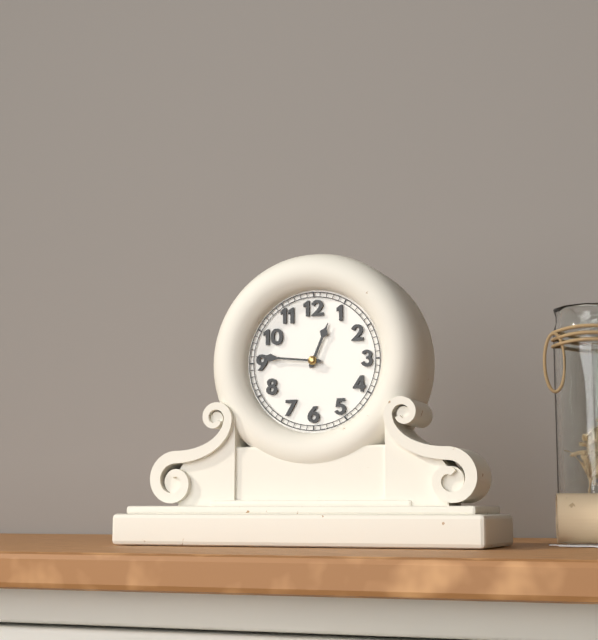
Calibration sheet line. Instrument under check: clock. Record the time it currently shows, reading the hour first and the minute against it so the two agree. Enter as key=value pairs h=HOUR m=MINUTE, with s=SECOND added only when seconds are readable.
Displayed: h=12 m=46
